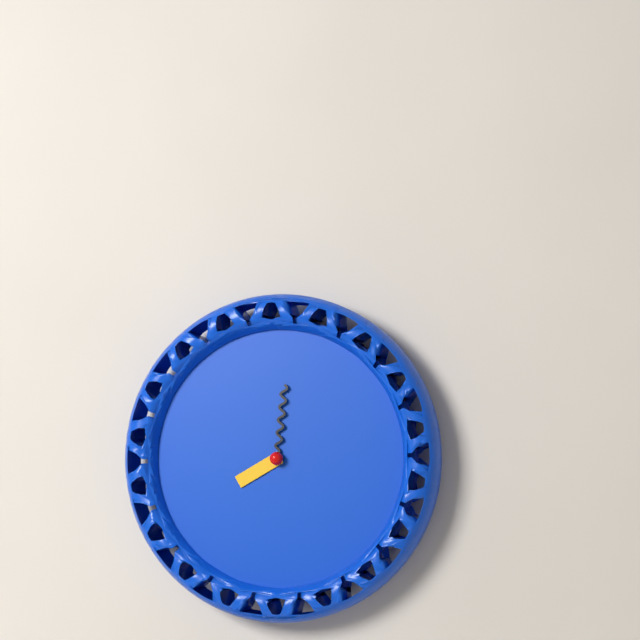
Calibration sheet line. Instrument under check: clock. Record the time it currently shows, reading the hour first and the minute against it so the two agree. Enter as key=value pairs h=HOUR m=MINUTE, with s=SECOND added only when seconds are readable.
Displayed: h=8 m=1
